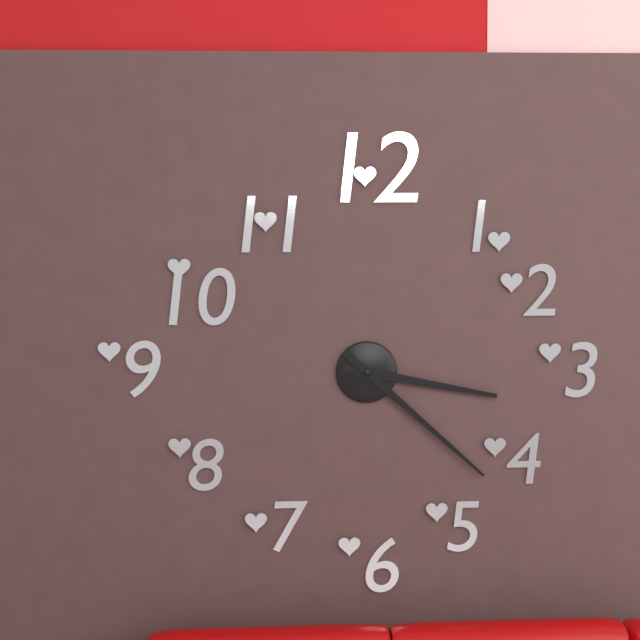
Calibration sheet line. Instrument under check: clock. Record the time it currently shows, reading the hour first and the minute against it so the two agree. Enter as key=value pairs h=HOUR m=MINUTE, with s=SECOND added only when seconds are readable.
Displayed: h=3 m=22
